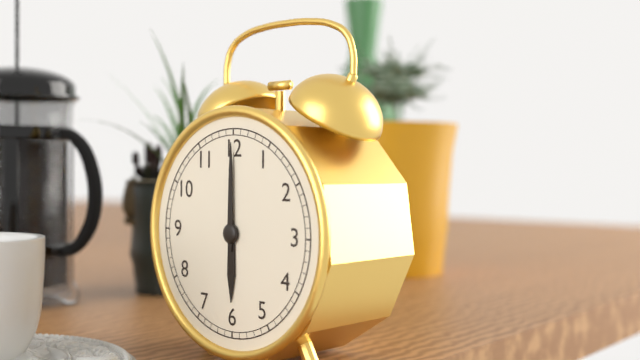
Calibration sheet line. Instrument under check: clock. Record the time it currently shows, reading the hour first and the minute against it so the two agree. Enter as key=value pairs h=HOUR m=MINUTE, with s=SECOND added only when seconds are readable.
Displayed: h=6 m=0
